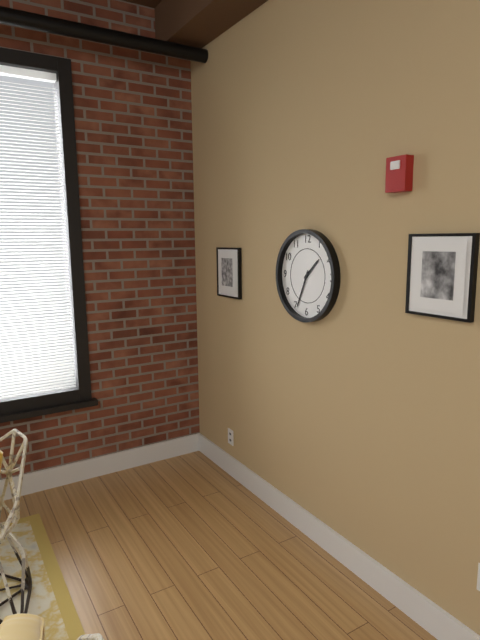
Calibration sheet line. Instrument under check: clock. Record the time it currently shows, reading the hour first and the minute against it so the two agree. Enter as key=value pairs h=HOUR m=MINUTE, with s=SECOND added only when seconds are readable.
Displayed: h=1 m=34
